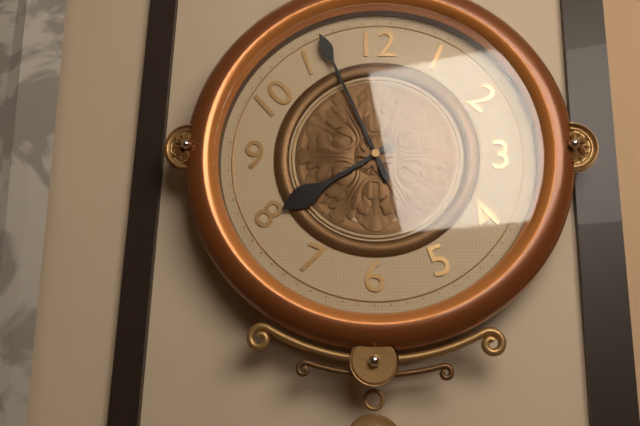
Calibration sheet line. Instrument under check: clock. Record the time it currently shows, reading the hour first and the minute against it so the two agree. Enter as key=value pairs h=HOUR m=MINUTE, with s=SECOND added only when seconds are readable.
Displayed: h=7 m=56
